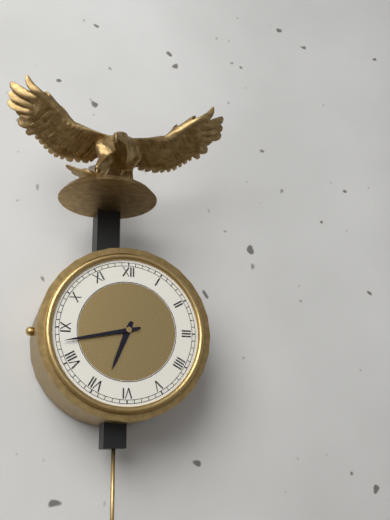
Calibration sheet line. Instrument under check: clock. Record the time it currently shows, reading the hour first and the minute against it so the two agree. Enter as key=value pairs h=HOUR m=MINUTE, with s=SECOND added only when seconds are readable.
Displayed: h=6 m=43
